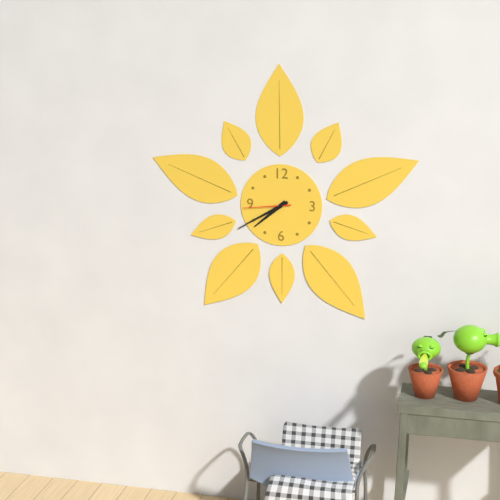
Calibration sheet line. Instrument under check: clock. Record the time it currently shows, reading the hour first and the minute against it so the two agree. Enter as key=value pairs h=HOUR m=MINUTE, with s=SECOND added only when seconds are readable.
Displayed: h=7 m=40
